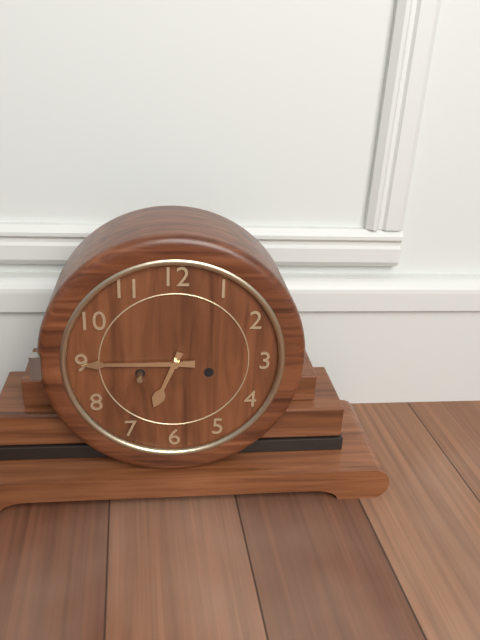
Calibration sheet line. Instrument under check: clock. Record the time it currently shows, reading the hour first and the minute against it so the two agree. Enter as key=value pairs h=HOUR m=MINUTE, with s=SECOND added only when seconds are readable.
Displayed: h=6 m=45
